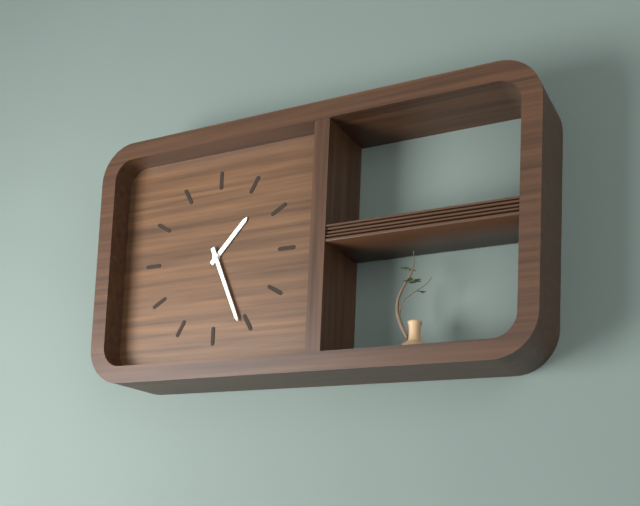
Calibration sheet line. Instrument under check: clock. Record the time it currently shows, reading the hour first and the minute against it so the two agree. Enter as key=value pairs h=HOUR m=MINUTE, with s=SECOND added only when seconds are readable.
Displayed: h=1 m=26
